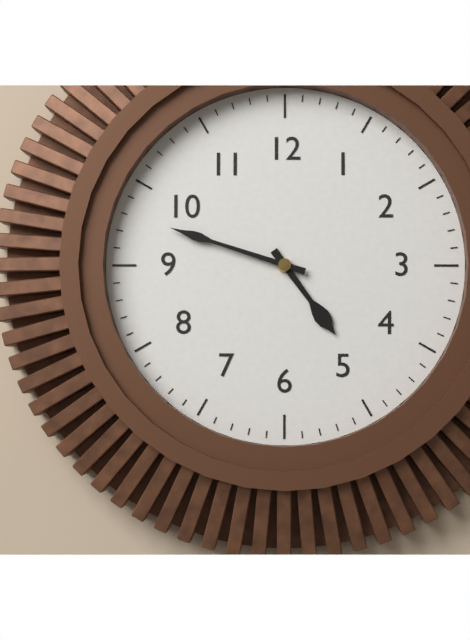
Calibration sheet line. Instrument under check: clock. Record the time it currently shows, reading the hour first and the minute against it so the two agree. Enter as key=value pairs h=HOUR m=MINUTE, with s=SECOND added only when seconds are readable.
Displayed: h=4 m=48
